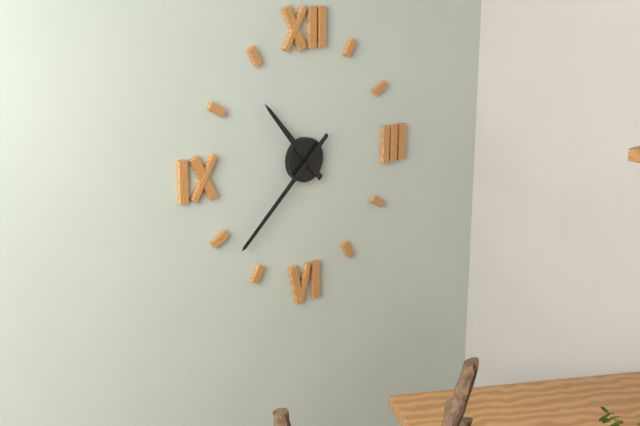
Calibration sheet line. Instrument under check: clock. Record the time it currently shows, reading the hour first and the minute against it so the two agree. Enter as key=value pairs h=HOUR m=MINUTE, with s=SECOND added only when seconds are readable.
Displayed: h=10 m=38
